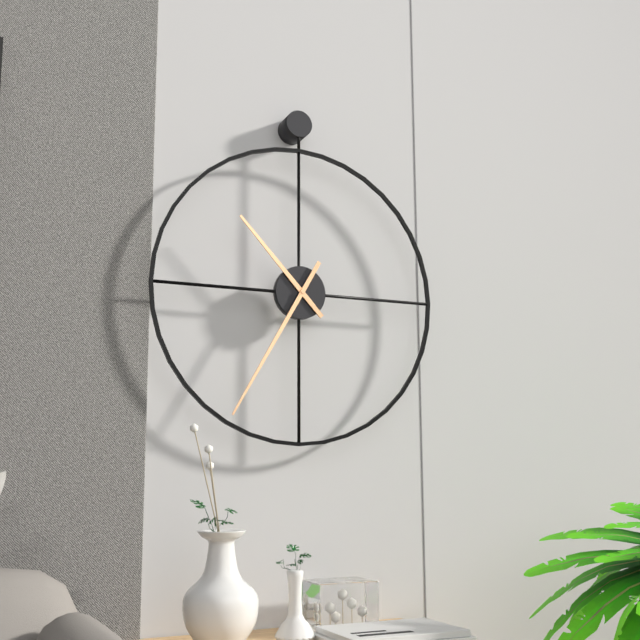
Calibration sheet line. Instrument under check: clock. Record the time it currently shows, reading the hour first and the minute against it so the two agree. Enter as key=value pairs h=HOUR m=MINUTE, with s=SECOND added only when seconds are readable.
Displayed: h=10 m=35
